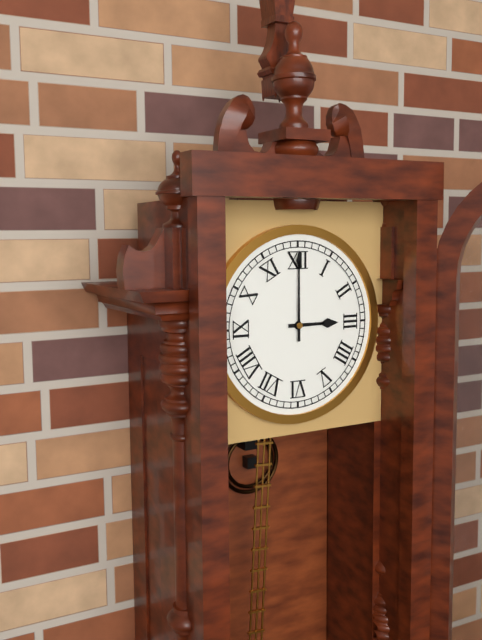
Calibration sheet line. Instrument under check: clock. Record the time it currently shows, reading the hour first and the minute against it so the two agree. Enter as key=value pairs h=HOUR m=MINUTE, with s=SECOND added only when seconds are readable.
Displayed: h=3 m=0
